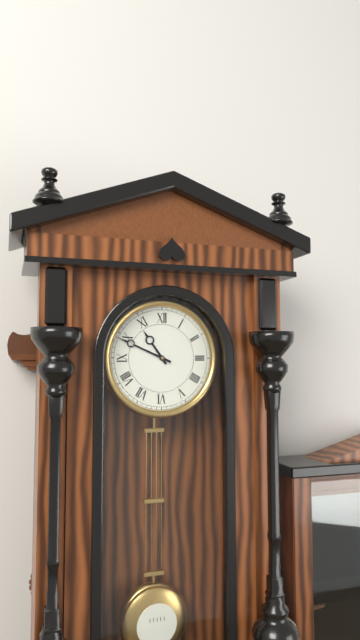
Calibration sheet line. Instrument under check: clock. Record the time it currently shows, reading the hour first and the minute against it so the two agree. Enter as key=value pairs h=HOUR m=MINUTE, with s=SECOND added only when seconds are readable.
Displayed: h=10 m=49
